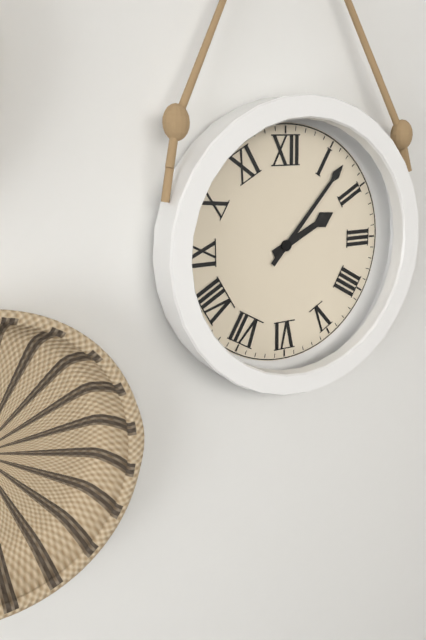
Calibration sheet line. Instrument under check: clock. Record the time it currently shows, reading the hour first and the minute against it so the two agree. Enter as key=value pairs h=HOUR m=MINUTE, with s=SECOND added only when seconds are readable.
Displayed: h=2 m=7
